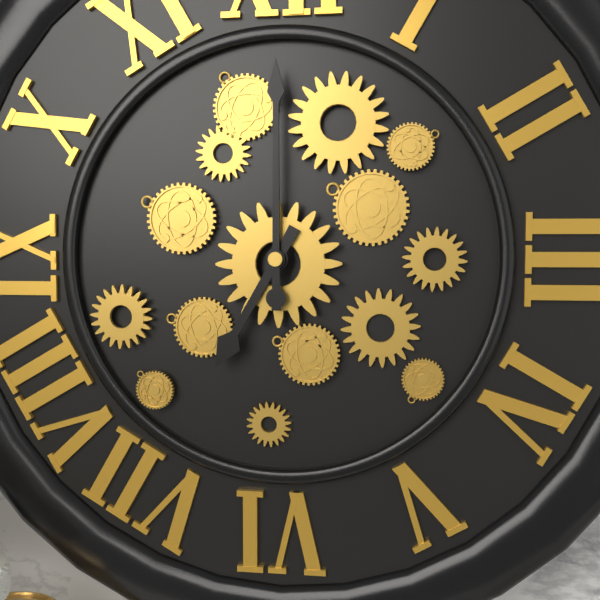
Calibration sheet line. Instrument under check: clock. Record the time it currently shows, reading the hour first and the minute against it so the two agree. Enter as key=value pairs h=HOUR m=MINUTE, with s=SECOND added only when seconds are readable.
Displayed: h=7 m=0
